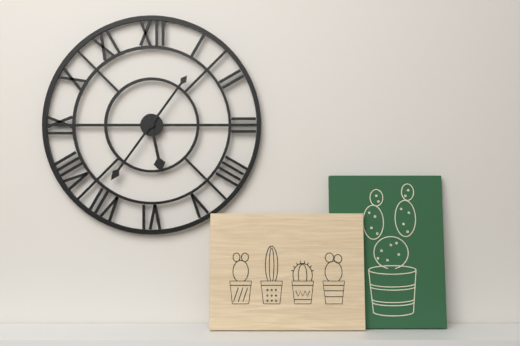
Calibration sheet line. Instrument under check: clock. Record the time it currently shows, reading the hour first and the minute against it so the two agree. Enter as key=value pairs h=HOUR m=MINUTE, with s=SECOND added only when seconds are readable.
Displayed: h=5 m=36
